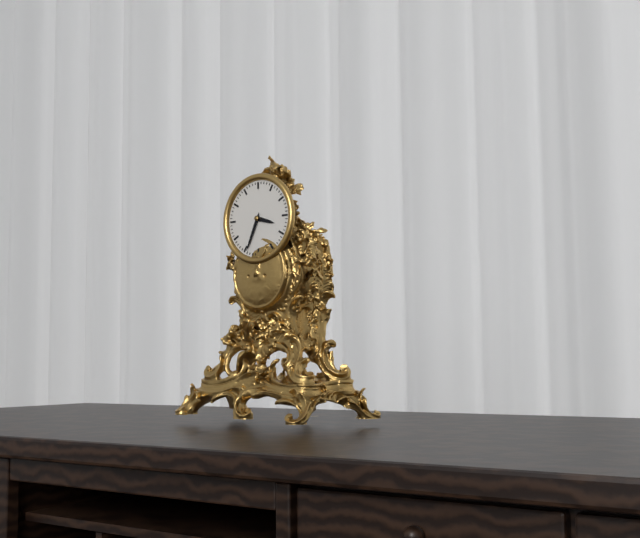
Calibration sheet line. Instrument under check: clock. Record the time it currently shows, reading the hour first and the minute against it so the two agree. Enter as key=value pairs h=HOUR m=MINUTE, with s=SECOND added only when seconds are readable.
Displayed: h=3 m=34
